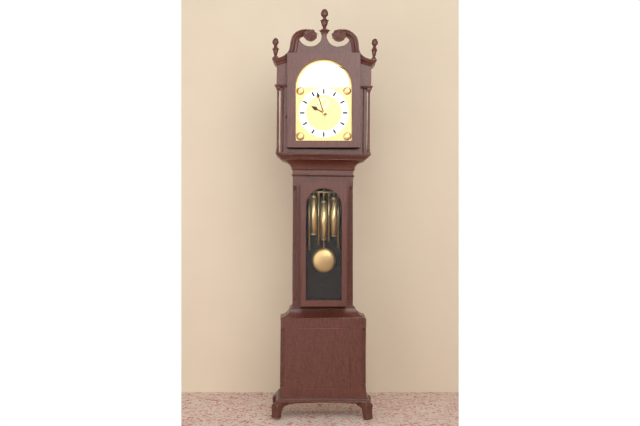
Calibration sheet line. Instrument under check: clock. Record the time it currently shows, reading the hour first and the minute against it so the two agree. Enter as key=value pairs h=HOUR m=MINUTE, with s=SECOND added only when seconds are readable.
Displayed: h=9 m=57
